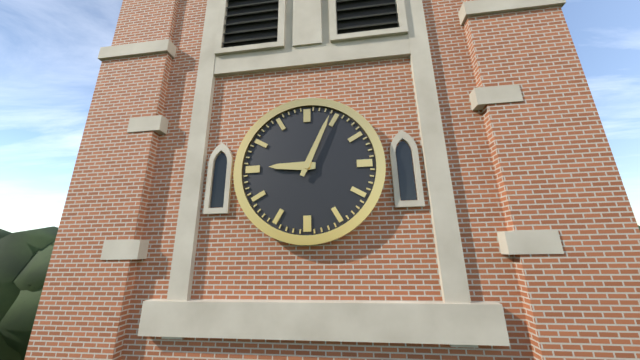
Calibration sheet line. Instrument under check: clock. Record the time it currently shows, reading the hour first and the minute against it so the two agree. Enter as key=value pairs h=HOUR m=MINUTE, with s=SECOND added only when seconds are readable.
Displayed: h=9 m=4
